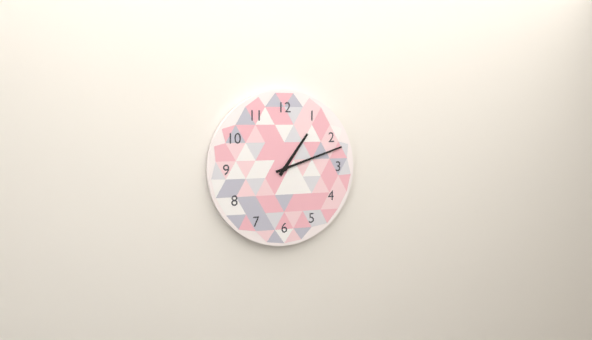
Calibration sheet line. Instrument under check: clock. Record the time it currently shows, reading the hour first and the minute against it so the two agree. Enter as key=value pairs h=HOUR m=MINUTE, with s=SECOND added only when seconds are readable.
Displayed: h=1 m=12
